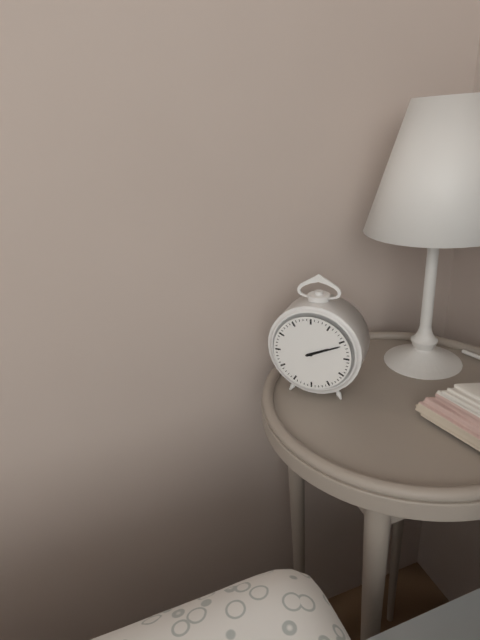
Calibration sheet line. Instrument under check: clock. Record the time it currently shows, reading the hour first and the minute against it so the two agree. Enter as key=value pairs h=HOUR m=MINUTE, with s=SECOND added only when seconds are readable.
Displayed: h=2 m=11
